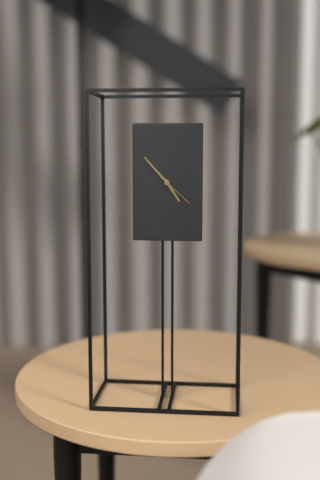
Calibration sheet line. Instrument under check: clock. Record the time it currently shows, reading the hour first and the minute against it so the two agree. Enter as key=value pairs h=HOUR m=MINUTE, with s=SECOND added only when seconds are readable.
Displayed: h=4 m=53
